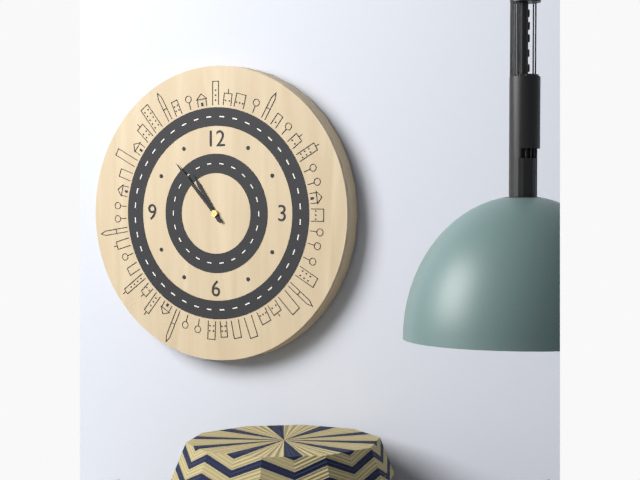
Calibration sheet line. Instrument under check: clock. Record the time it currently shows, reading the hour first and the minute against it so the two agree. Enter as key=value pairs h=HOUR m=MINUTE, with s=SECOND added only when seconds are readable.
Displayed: h=10 m=53
